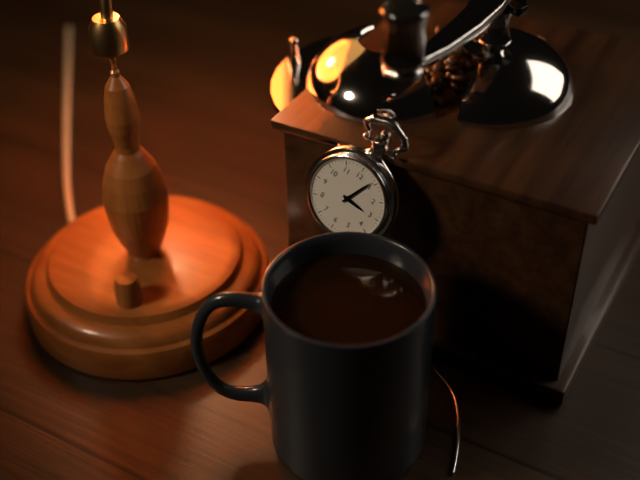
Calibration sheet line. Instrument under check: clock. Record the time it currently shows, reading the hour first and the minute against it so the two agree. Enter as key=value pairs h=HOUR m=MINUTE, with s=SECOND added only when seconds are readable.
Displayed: h=3 m=4
